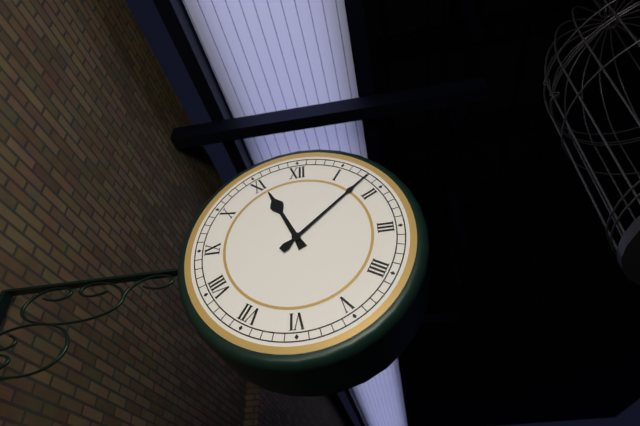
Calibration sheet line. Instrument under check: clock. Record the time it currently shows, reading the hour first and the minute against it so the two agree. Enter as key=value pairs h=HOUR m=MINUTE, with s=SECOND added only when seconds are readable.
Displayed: h=11 m=8
